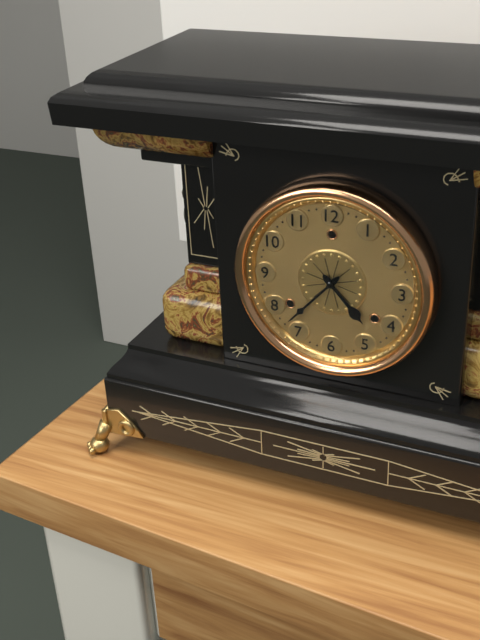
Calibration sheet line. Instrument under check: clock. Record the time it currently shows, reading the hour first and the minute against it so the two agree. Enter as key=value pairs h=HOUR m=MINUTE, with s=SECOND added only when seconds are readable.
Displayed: h=4 m=37
